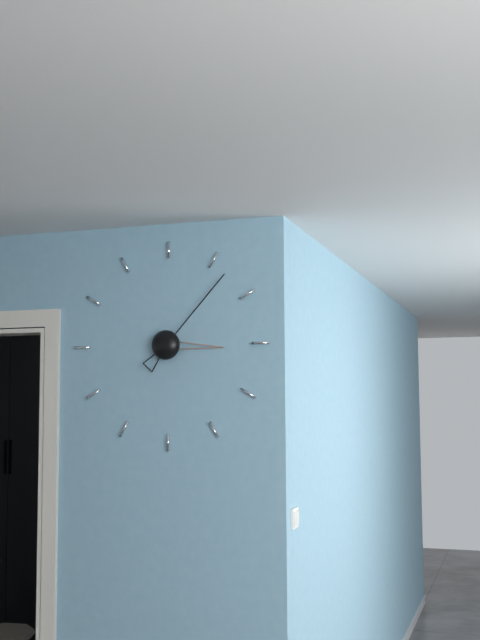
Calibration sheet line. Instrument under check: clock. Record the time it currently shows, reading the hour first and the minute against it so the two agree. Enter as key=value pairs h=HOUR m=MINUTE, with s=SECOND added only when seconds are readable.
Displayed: h=3 m=7
